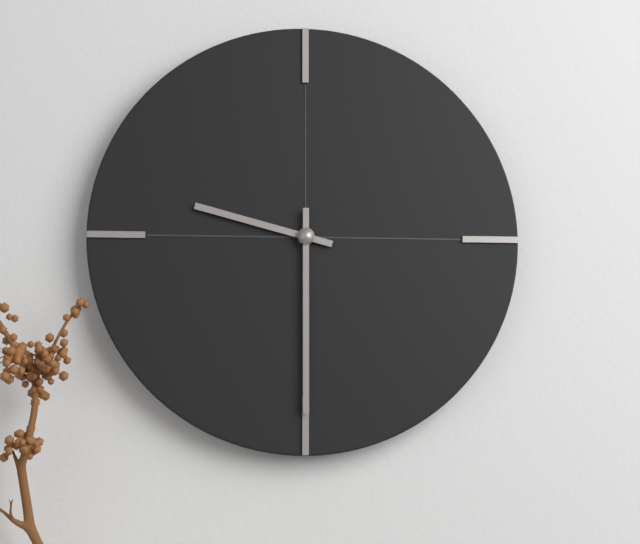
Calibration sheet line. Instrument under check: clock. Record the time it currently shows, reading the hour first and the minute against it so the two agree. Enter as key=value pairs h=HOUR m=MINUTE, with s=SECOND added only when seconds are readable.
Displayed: h=9 m=30
